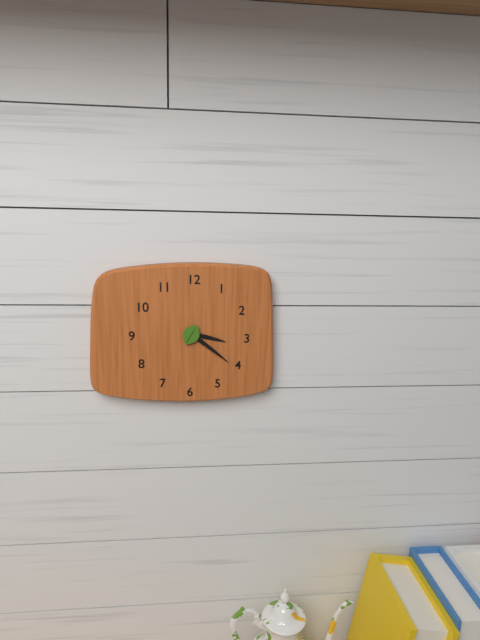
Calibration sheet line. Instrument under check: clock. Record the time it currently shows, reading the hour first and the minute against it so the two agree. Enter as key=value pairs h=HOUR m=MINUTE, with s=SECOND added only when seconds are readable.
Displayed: h=3 m=21
